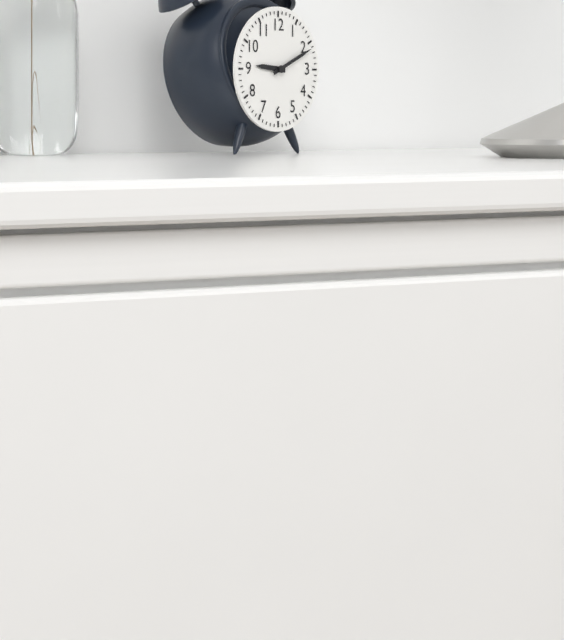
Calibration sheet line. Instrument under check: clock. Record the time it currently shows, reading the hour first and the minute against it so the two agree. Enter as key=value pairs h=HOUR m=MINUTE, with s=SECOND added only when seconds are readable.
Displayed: h=9 m=11
